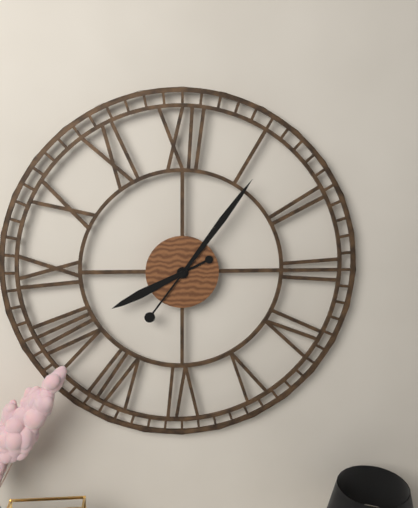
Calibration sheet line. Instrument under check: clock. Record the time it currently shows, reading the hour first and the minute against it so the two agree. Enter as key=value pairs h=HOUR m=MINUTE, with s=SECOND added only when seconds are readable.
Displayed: h=8 m=6
